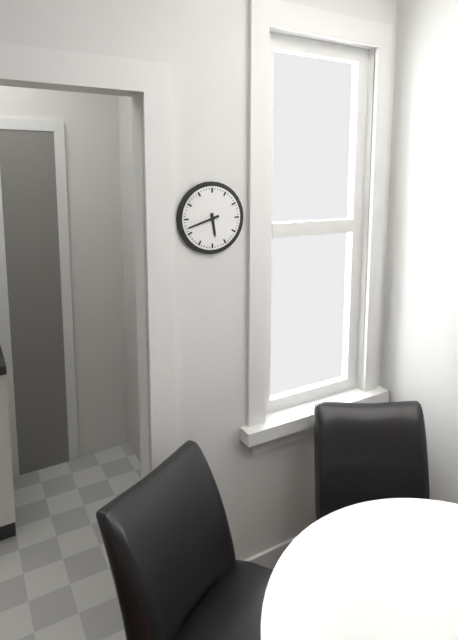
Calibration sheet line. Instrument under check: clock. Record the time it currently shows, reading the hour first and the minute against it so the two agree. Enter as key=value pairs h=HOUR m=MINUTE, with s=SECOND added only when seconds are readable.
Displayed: h=5 m=42
